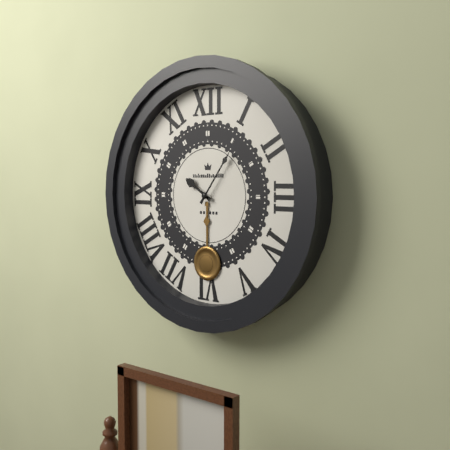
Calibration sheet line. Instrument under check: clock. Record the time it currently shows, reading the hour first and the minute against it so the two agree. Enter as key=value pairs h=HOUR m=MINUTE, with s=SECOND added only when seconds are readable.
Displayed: h=10 m=6
